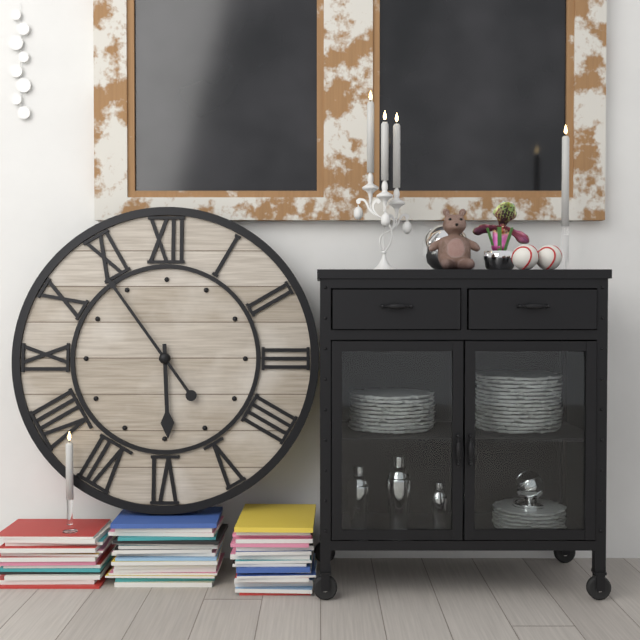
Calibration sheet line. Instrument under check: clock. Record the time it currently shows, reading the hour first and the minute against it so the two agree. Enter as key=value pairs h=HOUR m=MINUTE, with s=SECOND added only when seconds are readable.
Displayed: h=5 m=54
